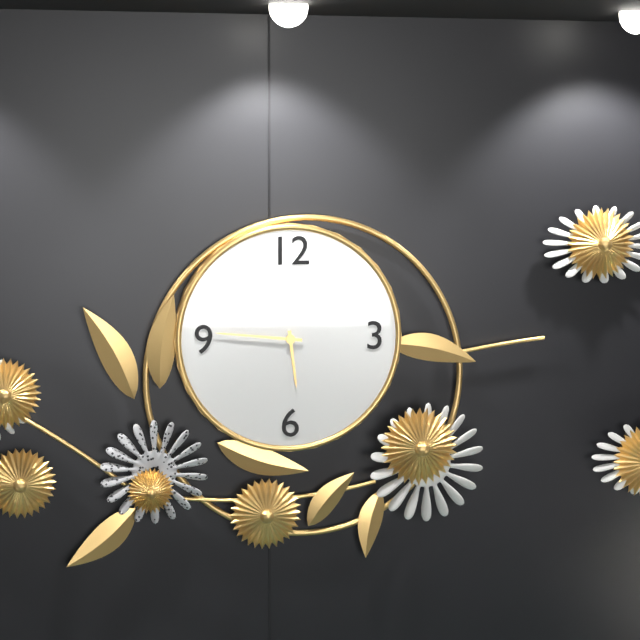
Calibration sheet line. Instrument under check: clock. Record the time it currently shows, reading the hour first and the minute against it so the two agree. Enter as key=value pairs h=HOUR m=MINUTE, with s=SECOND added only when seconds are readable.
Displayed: h=5 m=46
